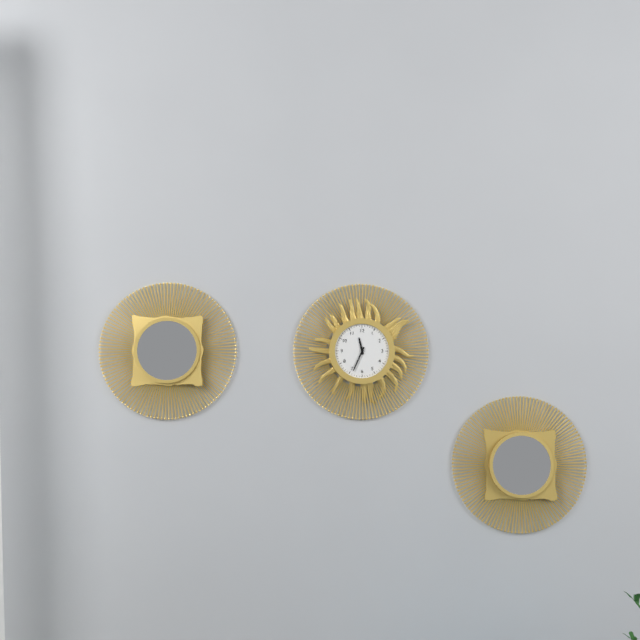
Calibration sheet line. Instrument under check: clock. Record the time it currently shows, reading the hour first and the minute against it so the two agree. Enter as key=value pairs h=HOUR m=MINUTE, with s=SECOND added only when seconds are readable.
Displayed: h=11 m=34
